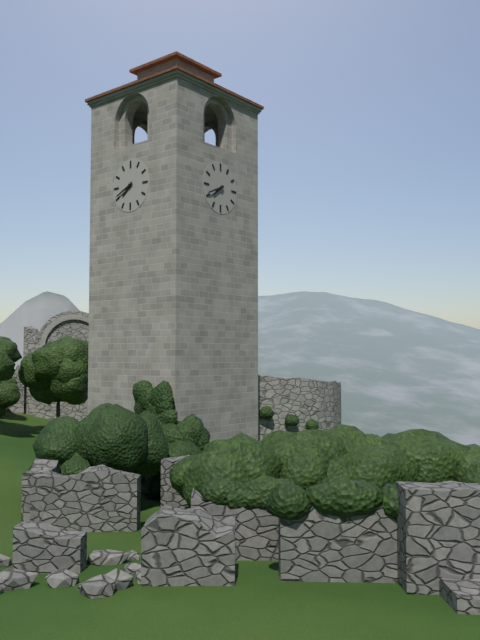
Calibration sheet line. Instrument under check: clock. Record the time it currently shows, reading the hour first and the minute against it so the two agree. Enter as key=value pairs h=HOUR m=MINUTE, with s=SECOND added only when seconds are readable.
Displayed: h=7 m=41
